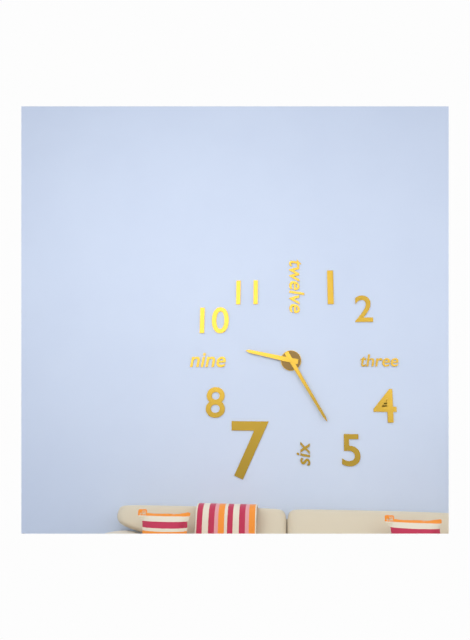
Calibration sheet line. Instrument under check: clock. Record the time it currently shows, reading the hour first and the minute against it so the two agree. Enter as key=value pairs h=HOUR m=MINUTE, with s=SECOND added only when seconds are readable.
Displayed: h=9 m=25
